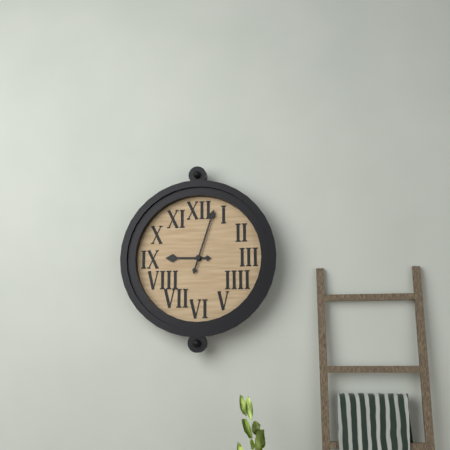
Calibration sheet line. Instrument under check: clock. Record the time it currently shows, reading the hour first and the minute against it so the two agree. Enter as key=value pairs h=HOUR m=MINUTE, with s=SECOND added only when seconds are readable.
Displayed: h=9 m=3
